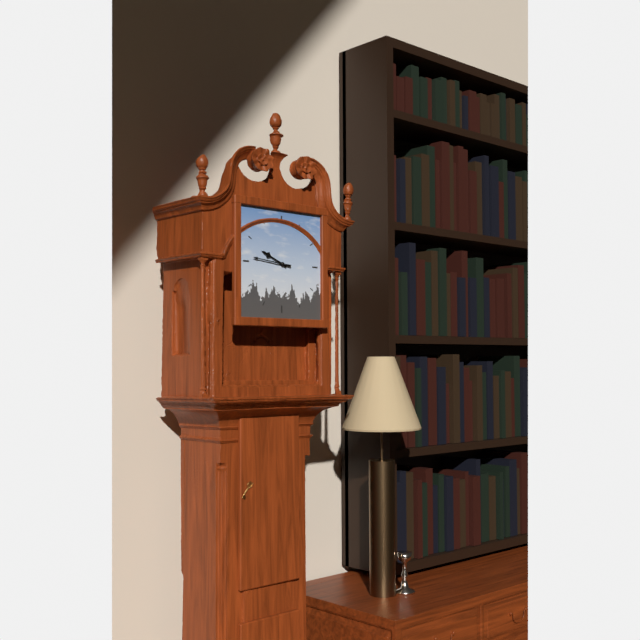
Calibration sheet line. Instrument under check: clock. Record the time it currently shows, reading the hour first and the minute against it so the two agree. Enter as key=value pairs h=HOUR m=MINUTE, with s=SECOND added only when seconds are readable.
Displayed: h=9 m=46
